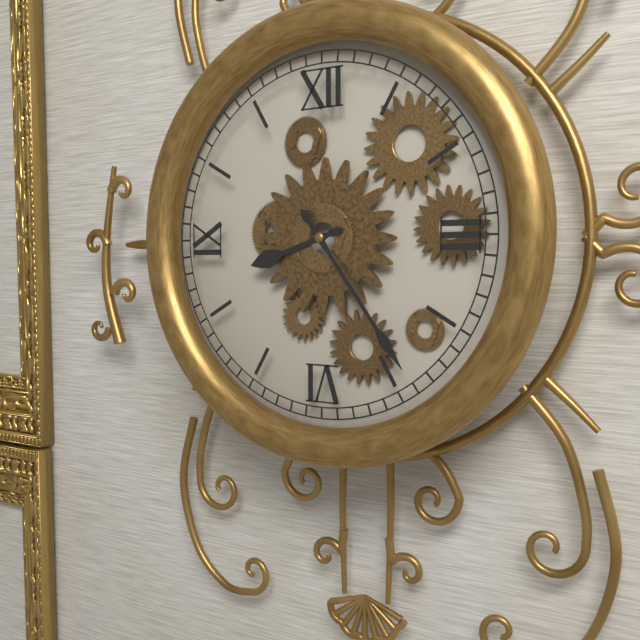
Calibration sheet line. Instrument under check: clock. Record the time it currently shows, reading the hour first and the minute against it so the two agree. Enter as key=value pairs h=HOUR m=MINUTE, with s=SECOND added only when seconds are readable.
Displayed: h=8 m=24
